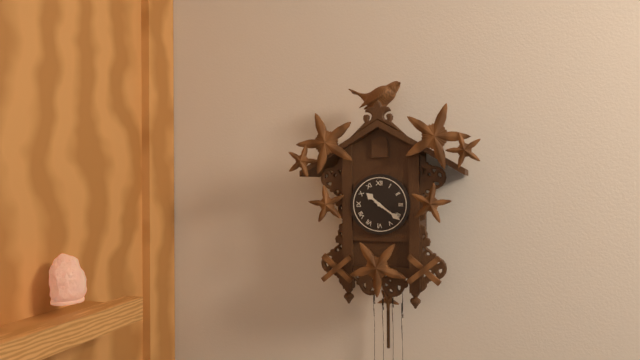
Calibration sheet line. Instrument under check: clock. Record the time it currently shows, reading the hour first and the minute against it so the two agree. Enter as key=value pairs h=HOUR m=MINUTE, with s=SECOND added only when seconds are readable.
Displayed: h=10 m=21
